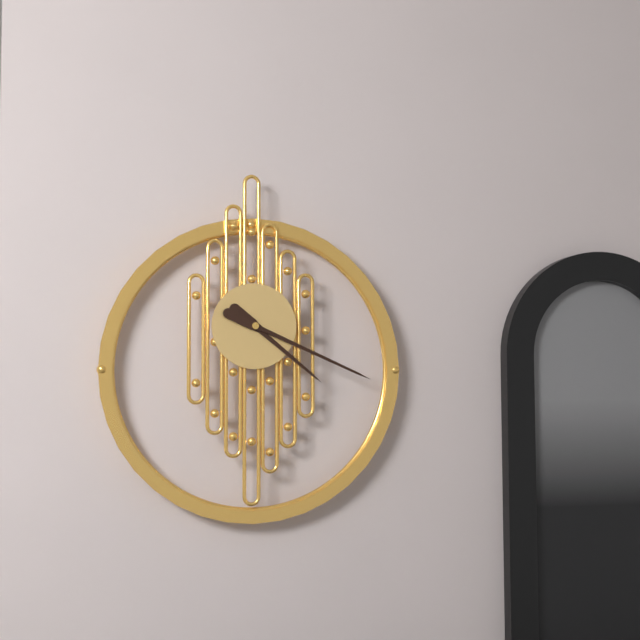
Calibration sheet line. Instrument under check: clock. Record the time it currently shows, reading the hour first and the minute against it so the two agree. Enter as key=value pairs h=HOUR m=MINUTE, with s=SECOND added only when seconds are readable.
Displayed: h=4 m=19
